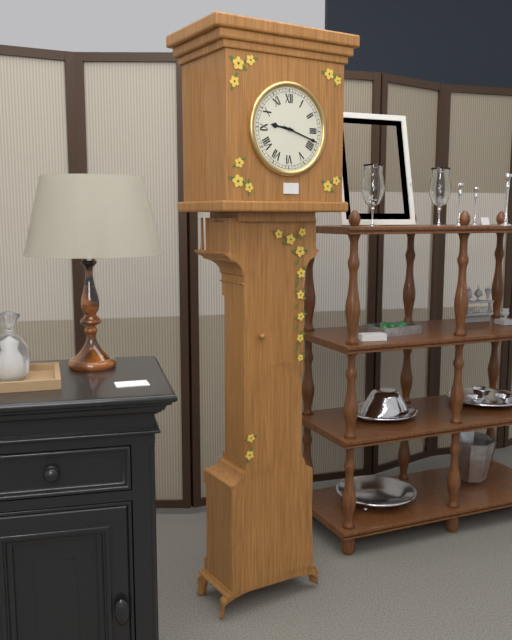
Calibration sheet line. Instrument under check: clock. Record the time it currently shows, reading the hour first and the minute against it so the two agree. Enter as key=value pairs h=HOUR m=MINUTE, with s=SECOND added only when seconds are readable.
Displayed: h=9 m=18
